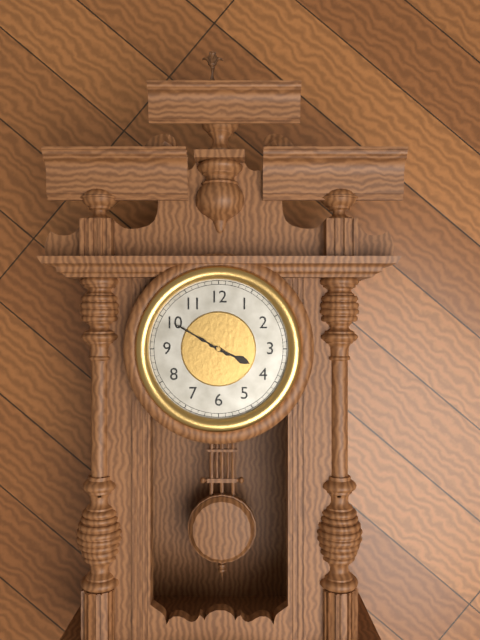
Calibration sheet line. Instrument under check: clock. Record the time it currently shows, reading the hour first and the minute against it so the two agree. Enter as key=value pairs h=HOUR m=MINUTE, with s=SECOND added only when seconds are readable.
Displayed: h=3 m=50
